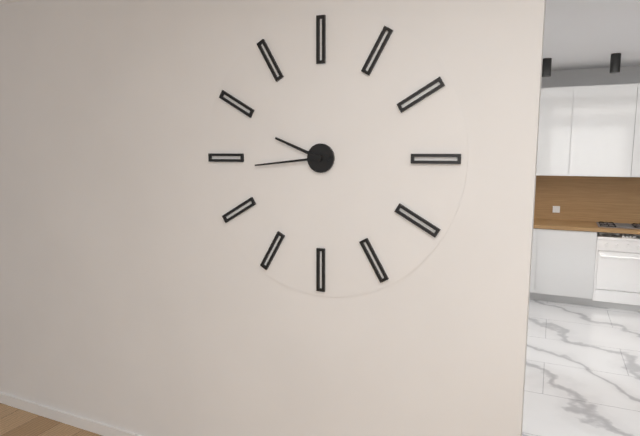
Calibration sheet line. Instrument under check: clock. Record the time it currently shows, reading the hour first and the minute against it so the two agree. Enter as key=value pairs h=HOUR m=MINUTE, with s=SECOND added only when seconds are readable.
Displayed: h=9 m=44
